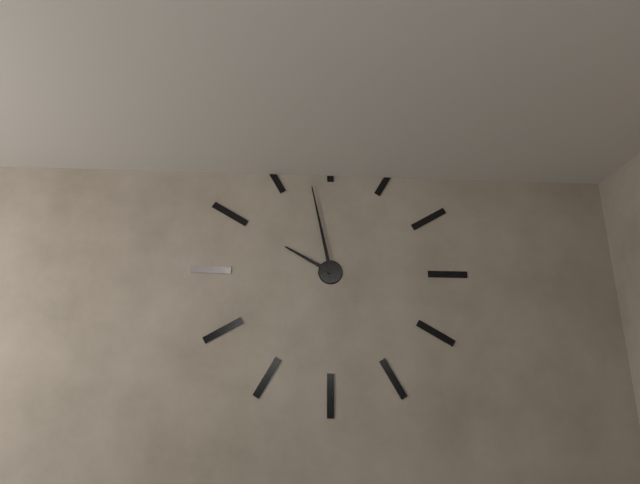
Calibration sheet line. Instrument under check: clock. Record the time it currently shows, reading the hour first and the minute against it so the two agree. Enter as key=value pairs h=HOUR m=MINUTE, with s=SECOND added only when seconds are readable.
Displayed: h=9 m=58
